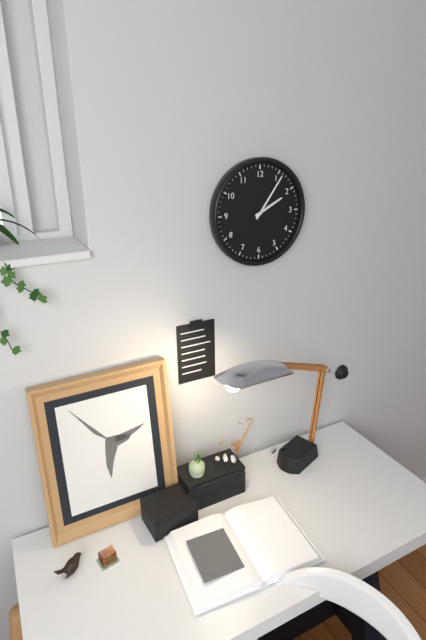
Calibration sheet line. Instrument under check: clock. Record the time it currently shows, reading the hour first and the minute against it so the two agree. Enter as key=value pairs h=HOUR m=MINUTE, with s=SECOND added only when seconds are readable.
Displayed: h=2 m=6
